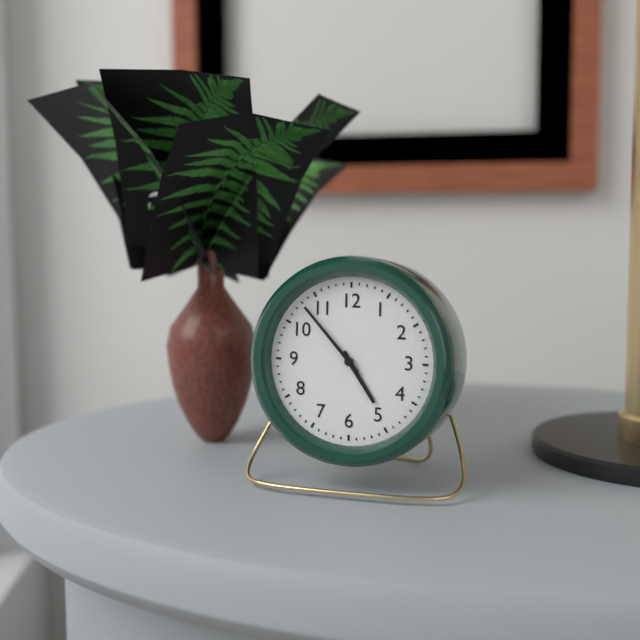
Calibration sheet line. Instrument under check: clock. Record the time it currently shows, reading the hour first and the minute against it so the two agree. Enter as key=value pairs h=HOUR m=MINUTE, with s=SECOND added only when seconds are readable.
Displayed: h=4 m=53
